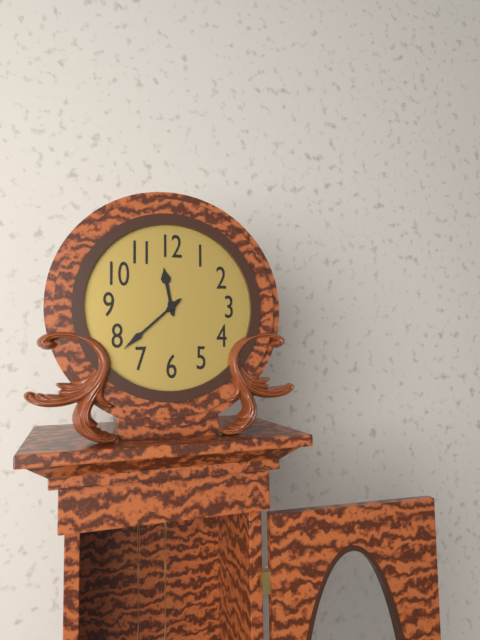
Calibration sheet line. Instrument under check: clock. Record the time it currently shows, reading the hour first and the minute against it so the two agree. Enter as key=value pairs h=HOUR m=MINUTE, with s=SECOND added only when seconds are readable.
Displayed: h=11 m=38
